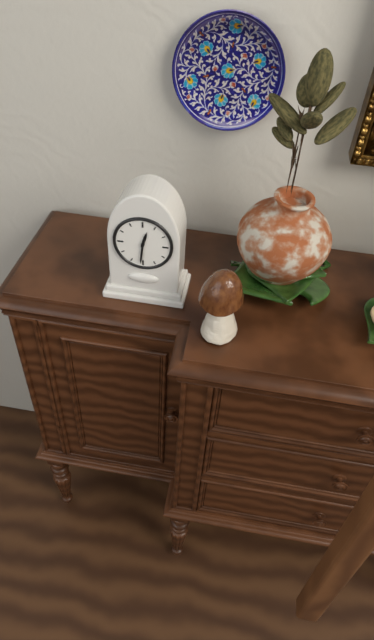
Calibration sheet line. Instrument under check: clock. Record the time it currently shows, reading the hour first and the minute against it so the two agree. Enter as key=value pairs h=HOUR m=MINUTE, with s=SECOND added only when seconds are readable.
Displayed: h=12 m=31
